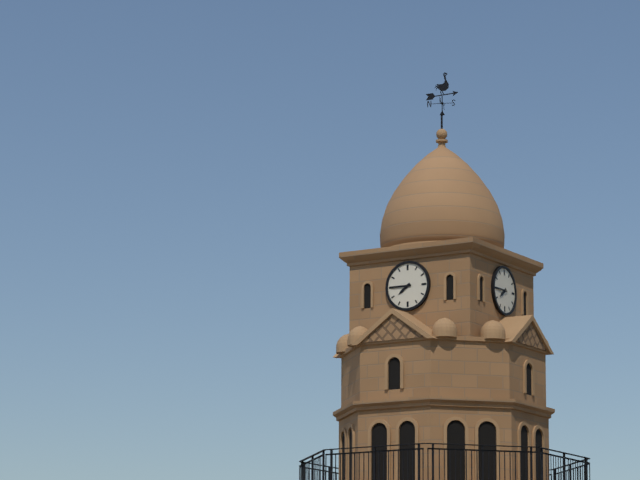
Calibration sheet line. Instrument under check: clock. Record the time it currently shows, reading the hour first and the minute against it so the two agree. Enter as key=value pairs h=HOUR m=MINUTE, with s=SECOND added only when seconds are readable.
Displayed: h=7 m=45
